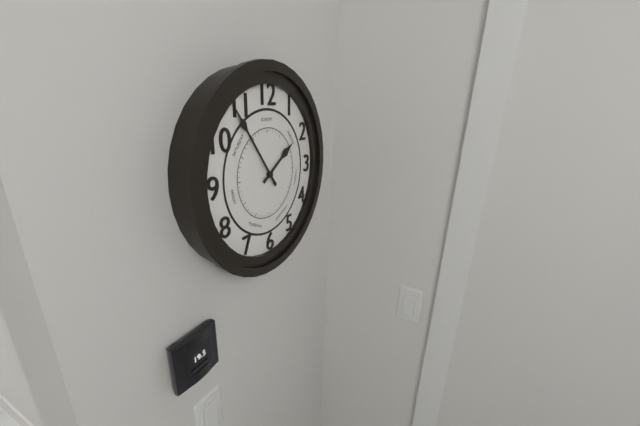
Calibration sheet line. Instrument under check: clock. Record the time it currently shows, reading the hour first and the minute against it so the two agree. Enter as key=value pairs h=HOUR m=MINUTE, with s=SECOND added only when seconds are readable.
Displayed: h=1 m=54
